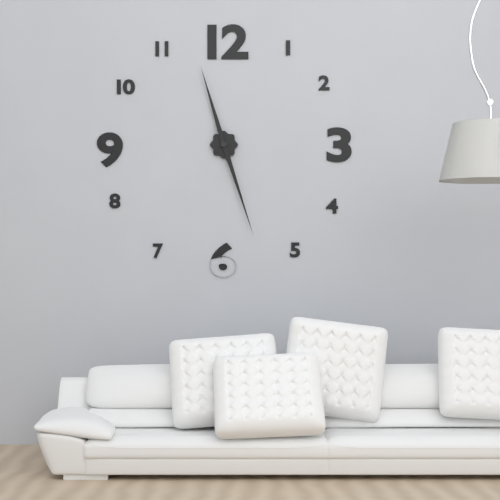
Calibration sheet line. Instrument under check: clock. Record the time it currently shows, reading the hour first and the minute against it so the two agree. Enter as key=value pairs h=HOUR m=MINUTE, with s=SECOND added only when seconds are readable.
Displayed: h=11 m=27
